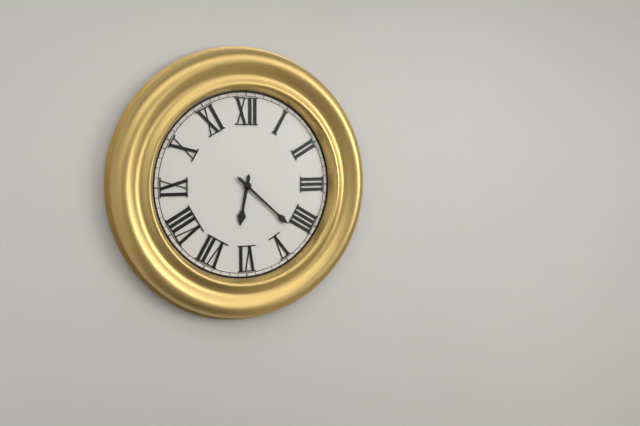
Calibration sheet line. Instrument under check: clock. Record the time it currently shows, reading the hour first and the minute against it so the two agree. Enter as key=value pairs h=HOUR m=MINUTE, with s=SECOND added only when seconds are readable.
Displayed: h=6 m=22
